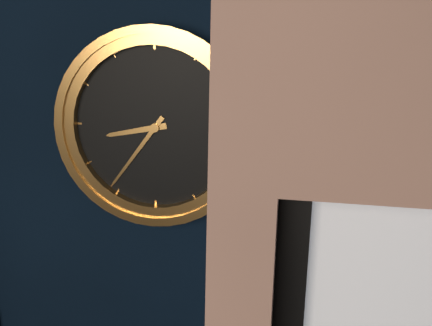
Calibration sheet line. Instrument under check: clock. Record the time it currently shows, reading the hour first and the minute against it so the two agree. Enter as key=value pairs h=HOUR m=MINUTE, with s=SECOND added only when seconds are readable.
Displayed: h=8 m=36
